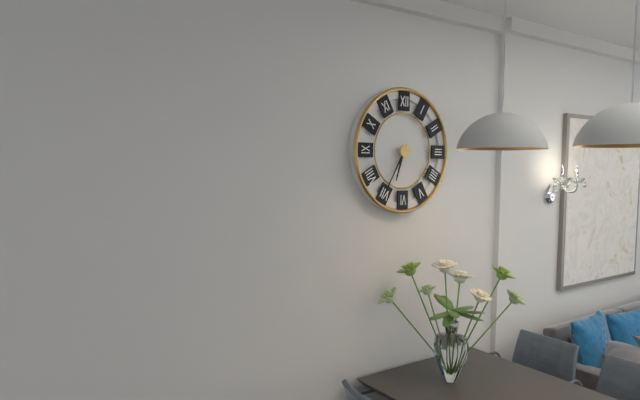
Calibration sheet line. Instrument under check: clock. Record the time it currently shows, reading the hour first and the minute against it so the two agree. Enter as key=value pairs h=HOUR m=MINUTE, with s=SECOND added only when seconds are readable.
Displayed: h=6 m=35
